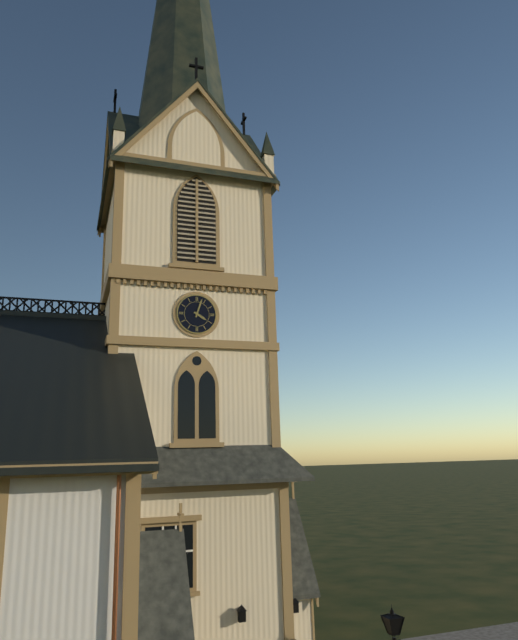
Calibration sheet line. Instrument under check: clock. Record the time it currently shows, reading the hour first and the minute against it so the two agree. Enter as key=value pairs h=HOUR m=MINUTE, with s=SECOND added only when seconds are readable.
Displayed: h=4 m=3
